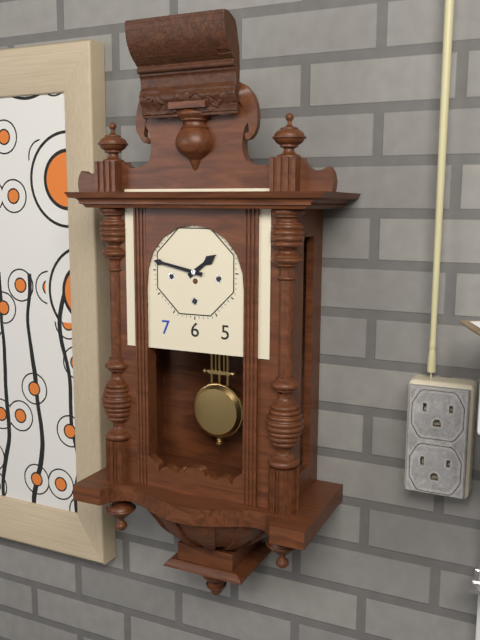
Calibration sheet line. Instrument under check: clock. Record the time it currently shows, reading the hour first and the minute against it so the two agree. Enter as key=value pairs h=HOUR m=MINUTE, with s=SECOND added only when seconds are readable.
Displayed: h=1 m=47
